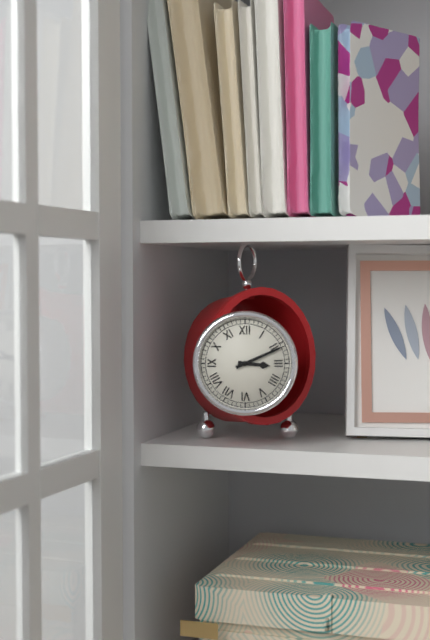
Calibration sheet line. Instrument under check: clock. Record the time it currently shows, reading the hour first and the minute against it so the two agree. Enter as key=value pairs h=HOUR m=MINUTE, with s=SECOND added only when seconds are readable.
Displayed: h=3 m=11
